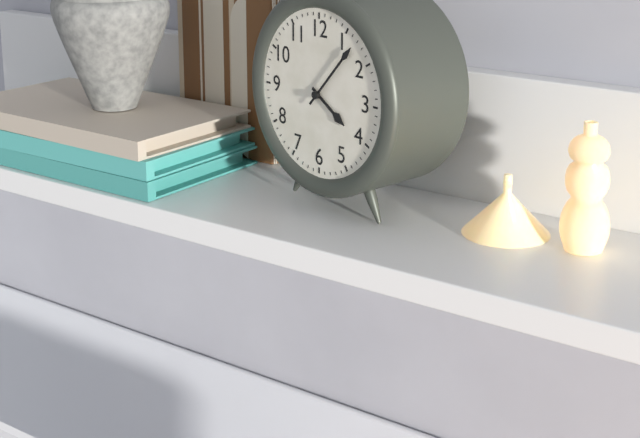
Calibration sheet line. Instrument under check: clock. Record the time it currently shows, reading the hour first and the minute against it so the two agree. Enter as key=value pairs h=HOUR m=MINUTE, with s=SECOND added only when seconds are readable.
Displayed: h=4 m=7
